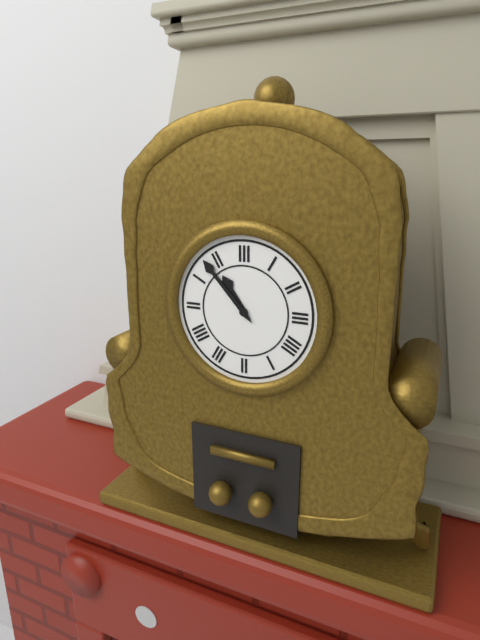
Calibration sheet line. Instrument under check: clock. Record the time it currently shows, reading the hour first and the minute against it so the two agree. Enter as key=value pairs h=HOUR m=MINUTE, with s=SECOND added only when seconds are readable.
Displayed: h=10 m=53
